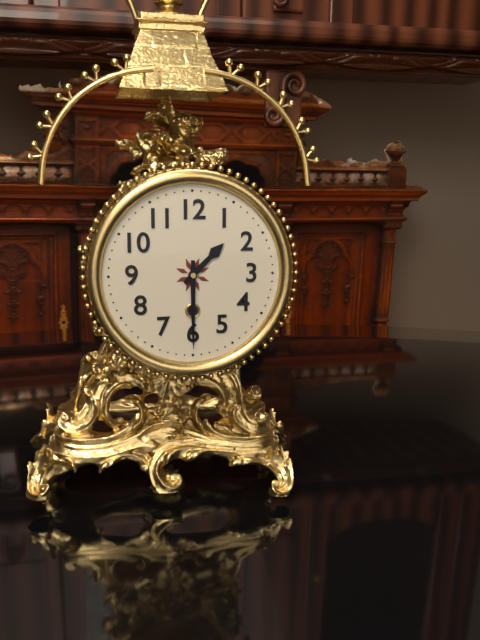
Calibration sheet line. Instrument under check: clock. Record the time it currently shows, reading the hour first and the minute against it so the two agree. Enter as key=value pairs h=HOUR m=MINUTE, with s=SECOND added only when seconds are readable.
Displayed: h=1 m=30
